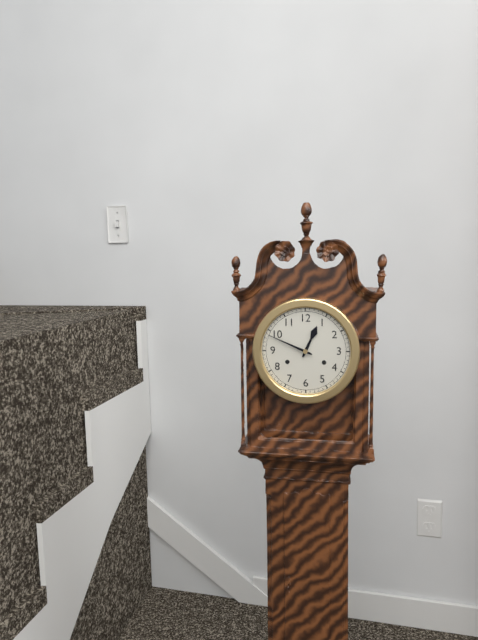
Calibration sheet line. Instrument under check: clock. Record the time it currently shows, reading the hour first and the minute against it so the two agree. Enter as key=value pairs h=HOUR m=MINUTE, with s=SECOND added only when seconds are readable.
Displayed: h=12 m=49
